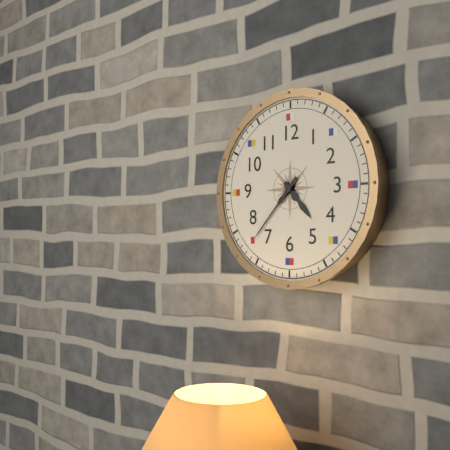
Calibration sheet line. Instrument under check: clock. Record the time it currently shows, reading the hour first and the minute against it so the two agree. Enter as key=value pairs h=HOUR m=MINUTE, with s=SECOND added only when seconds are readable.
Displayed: h=4 m=37
